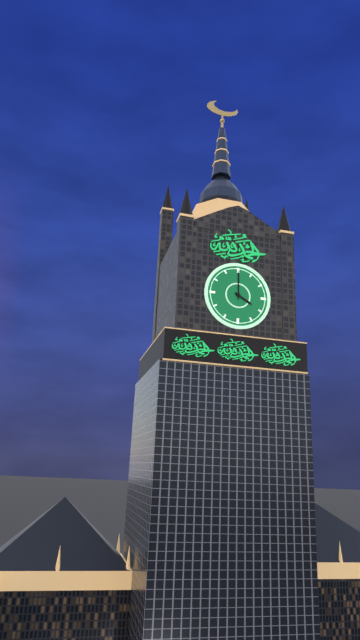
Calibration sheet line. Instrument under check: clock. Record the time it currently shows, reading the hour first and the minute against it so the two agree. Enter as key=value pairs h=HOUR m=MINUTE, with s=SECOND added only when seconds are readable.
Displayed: h=4 m=0
